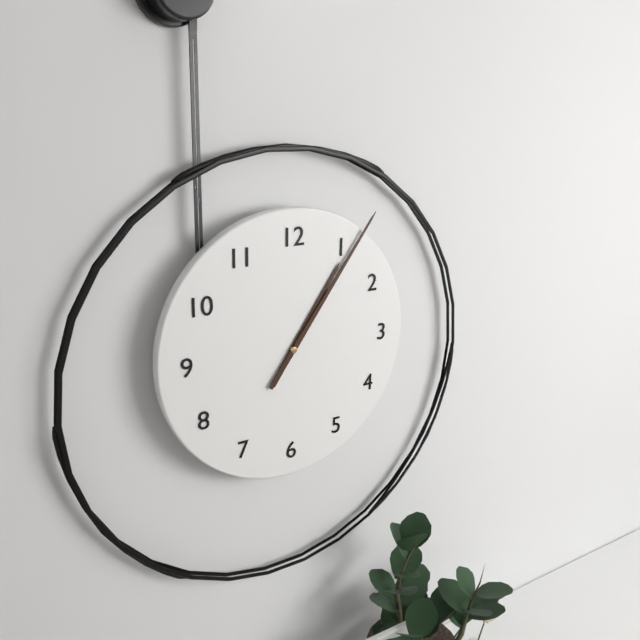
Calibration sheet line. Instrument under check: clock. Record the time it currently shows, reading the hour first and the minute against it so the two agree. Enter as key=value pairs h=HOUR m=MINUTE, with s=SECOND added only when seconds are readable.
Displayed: h=1 m=6
